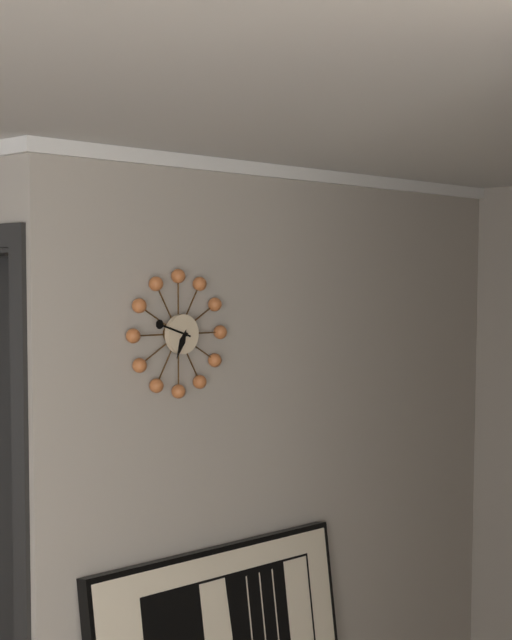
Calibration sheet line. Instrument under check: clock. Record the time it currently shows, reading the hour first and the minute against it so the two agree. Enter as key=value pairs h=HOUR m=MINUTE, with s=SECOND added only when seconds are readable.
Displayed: h=6 m=48
